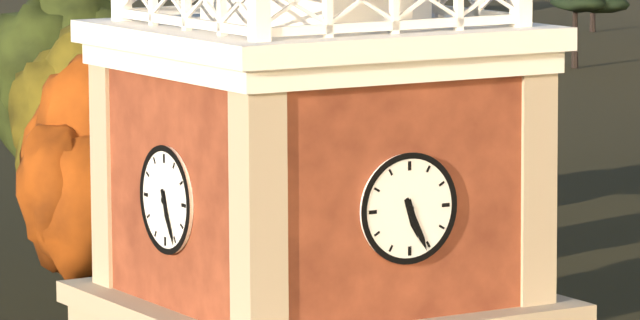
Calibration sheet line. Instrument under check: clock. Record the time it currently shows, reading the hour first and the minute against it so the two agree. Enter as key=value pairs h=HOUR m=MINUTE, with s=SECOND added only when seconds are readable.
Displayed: h=5 m=26
